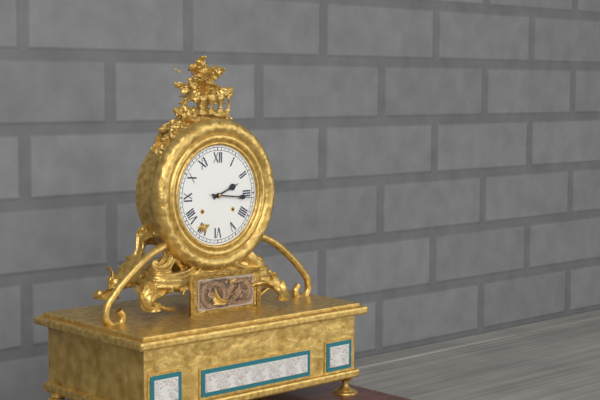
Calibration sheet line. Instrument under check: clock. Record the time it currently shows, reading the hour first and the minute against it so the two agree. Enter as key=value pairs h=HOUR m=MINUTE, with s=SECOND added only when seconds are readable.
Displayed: h=2 m=16
